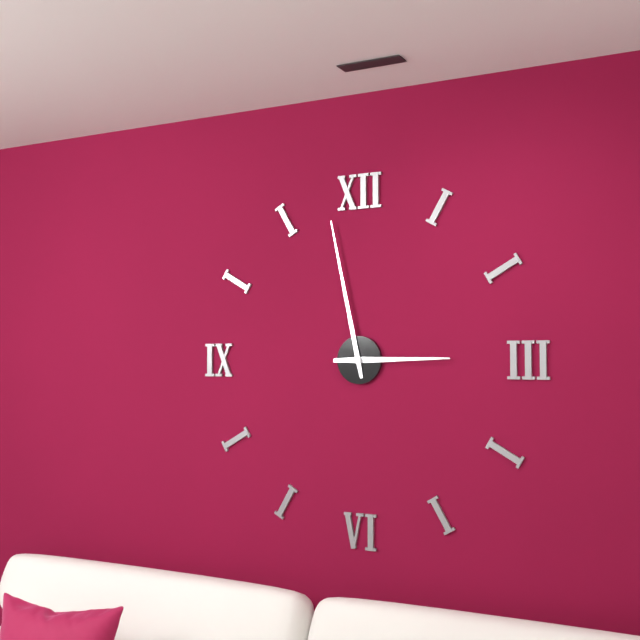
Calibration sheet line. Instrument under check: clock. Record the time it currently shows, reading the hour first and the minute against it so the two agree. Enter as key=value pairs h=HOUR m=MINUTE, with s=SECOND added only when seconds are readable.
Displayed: h=2 m=58
